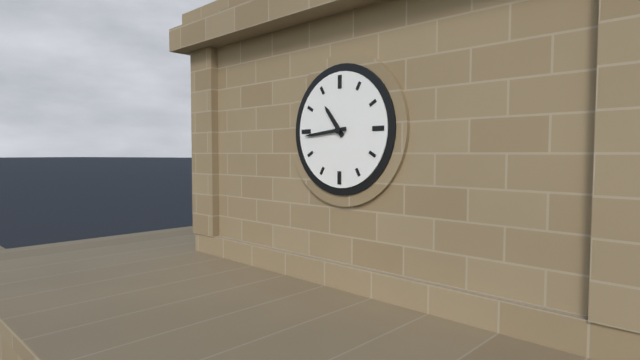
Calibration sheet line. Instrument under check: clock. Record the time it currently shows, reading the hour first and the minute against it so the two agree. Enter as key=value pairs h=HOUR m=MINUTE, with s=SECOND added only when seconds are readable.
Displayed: h=10 m=44
